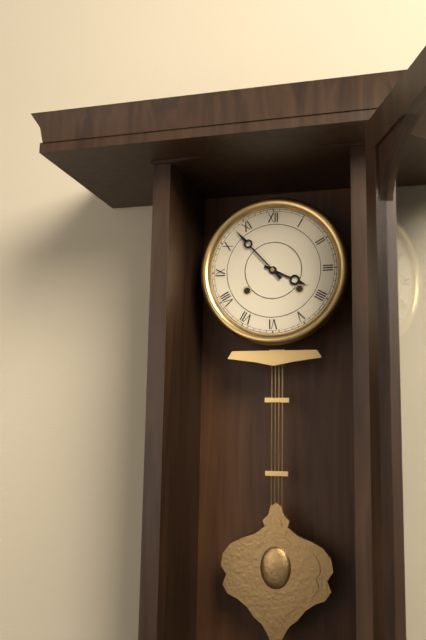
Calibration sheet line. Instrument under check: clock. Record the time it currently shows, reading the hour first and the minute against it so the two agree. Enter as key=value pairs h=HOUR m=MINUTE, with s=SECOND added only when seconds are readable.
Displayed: h=3 m=53
